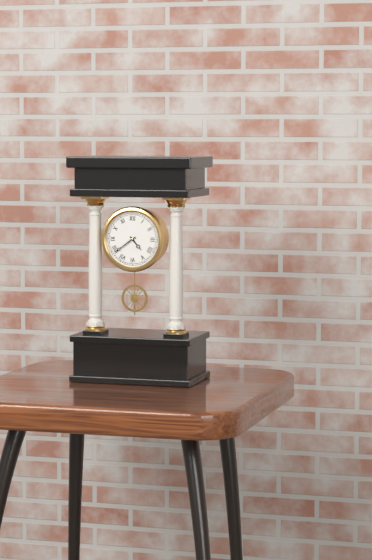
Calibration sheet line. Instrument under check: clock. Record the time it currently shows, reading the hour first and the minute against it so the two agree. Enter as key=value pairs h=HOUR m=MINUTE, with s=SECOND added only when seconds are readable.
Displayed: h=4 m=39
